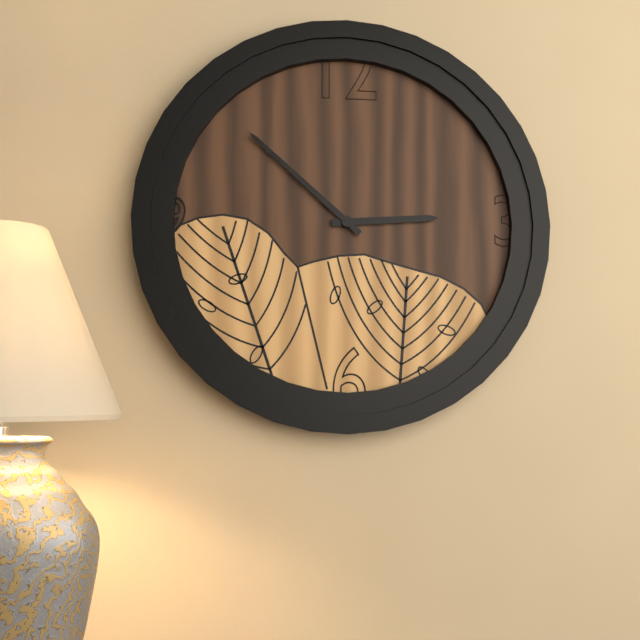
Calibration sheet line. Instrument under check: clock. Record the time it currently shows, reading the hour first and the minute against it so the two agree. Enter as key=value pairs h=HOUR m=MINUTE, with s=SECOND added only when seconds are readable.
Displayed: h=2 m=52
